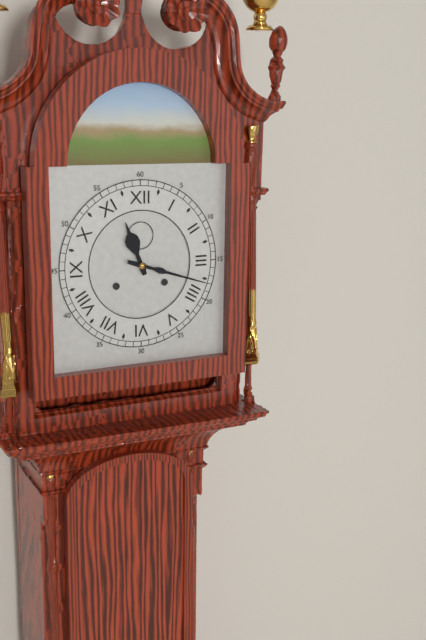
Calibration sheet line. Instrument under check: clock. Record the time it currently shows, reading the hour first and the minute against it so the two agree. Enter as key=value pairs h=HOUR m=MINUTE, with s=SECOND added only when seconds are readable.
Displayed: h=11 m=18
